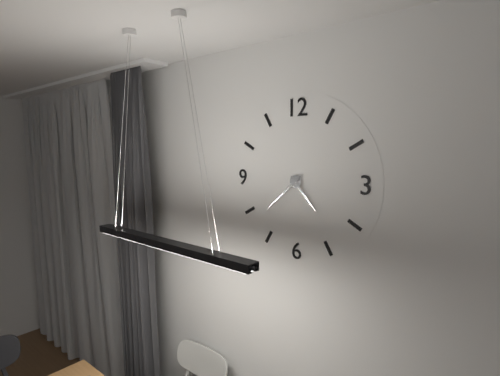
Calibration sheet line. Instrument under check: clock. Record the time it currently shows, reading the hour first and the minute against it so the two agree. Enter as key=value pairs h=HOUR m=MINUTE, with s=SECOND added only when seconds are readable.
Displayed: h=4 m=38
